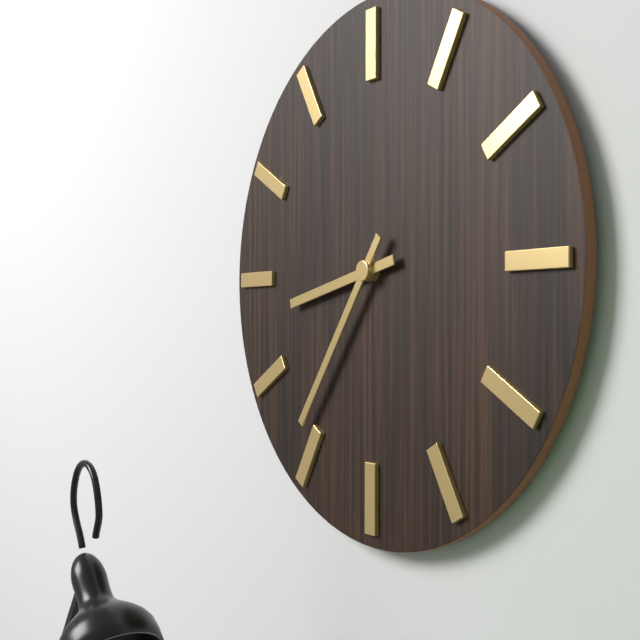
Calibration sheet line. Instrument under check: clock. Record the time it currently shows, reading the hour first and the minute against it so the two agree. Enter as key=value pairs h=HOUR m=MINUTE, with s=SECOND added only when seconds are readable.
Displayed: h=8 m=36
